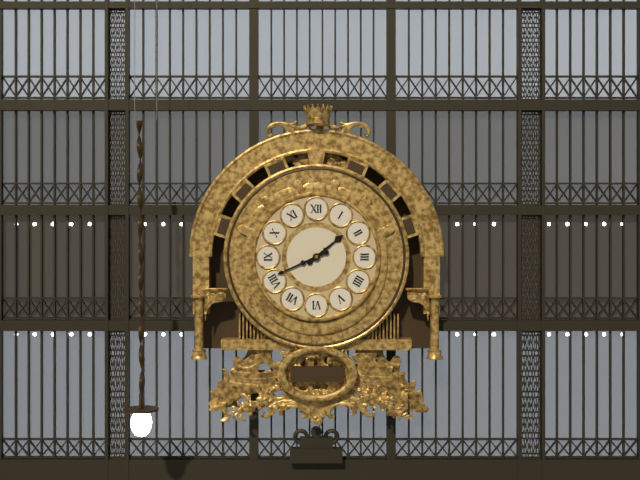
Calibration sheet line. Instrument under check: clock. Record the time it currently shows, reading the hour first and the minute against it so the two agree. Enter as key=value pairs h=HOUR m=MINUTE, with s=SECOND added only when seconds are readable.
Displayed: h=1 m=41
